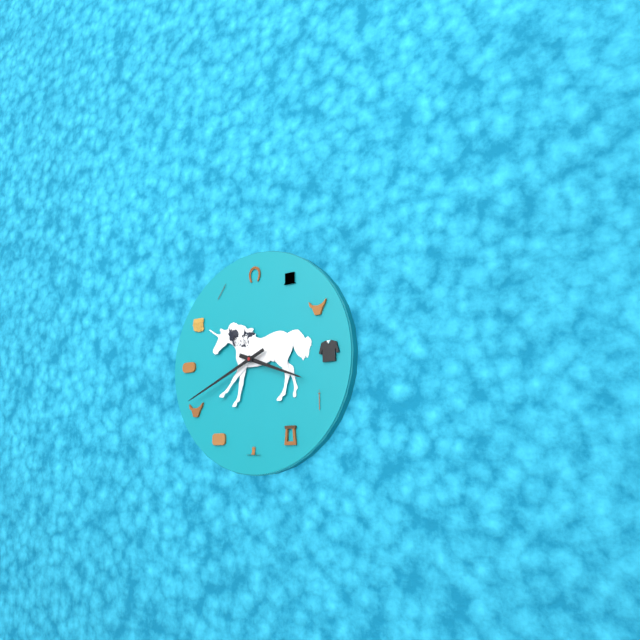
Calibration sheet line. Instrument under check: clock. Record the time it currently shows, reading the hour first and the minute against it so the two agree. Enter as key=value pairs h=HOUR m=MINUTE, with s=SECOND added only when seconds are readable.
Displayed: h=3 m=41
